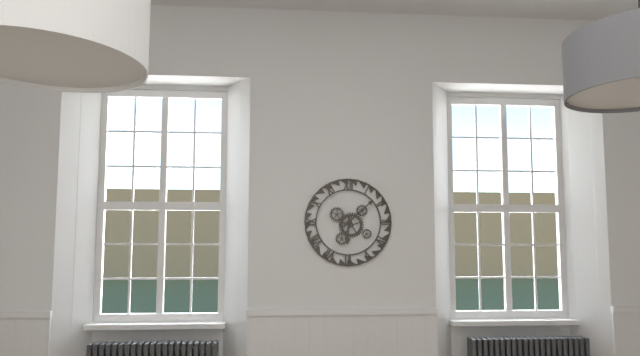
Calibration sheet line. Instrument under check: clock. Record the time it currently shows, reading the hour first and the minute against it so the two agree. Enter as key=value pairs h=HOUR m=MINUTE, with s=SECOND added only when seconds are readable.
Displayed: h=6 m=8
